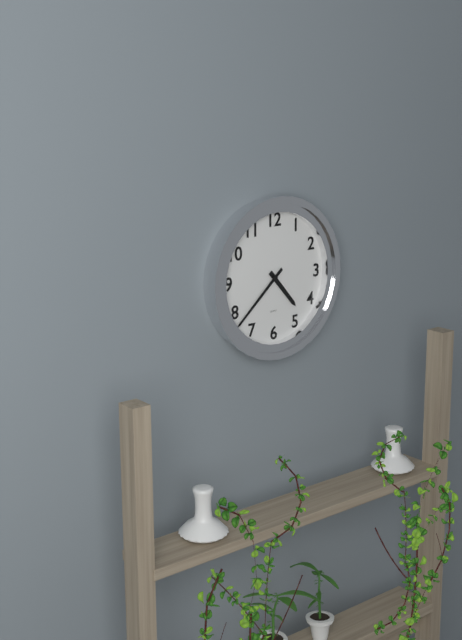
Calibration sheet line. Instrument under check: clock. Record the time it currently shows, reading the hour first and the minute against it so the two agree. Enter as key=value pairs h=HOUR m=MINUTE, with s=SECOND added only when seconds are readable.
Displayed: h=4 m=38
